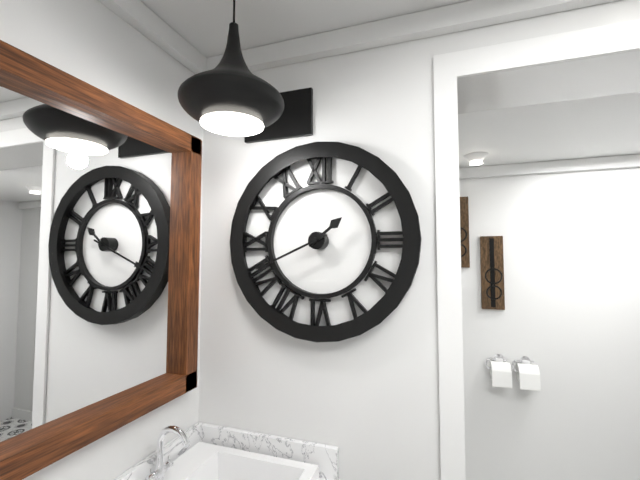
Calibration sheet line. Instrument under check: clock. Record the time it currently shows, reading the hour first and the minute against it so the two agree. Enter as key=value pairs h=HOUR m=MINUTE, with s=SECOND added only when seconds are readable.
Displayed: h=1 m=41
